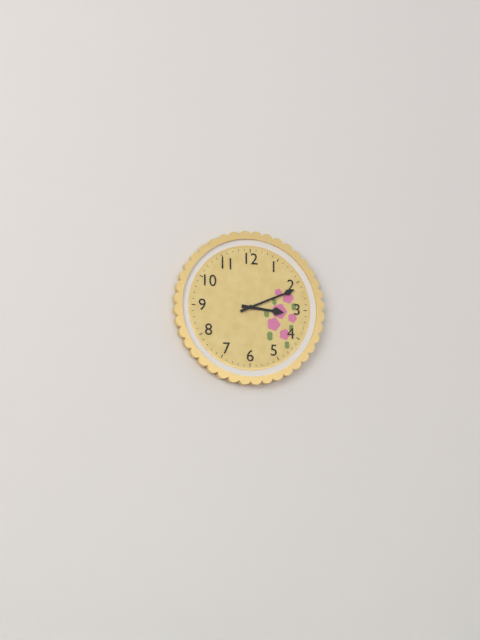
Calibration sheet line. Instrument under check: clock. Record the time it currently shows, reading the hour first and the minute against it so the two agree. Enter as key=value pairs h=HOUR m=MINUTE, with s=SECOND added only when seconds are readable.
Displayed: h=3 m=11
